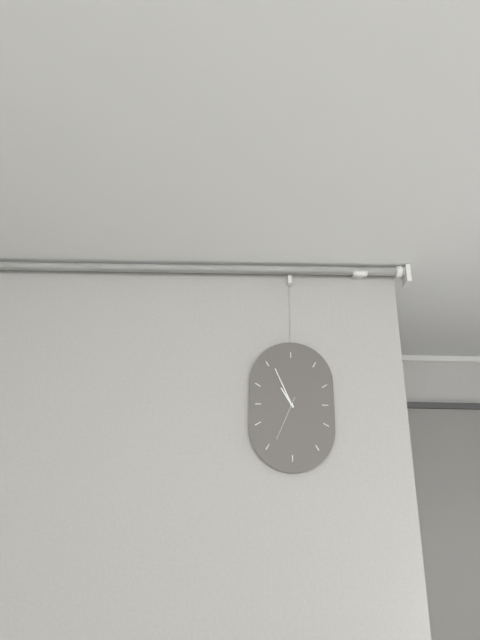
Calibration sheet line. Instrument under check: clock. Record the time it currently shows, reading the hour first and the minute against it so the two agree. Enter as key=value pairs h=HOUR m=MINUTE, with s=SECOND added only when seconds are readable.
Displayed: h=10 m=56
